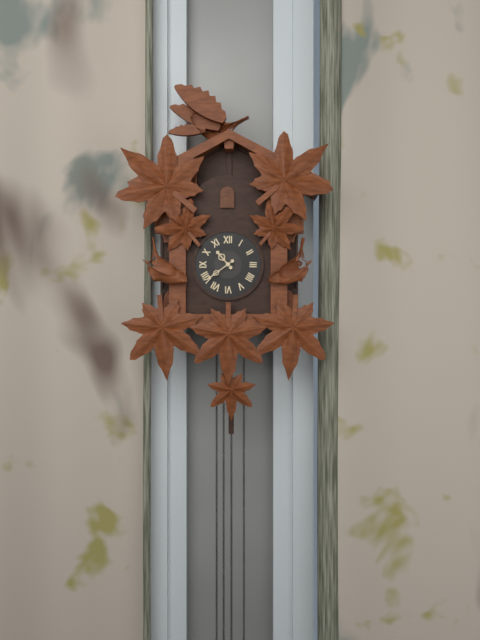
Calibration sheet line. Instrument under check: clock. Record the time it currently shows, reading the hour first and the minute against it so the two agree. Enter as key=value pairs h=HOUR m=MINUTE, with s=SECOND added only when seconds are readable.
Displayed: h=10 m=39
